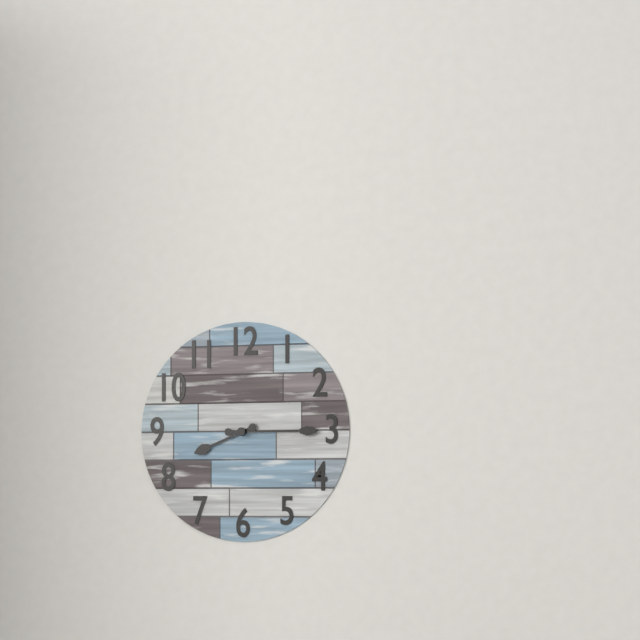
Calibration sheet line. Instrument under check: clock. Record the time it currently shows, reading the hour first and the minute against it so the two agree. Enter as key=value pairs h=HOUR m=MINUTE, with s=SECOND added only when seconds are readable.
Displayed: h=8 m=15
